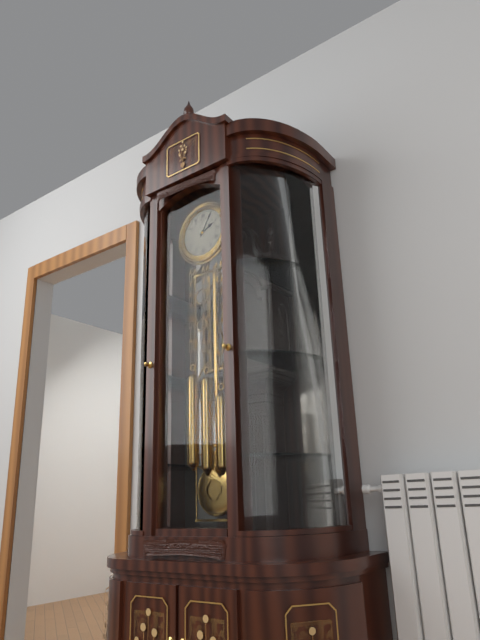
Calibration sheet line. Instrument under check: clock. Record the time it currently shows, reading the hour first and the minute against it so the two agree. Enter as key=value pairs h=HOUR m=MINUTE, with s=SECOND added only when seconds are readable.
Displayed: h=2 m=5
